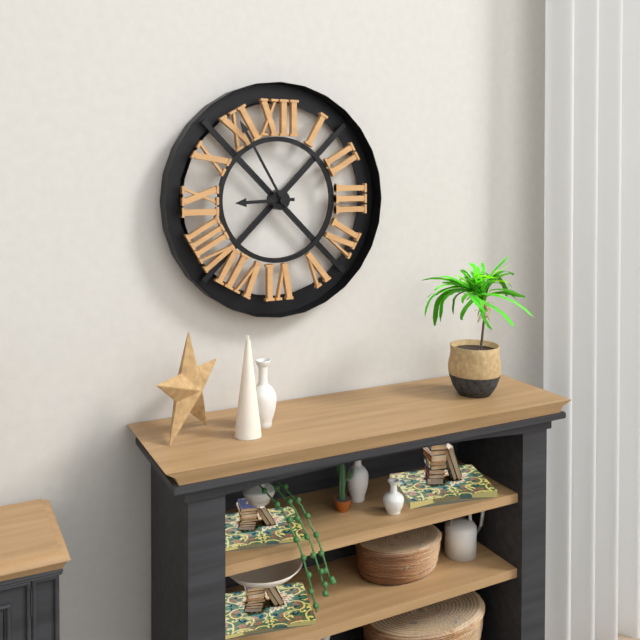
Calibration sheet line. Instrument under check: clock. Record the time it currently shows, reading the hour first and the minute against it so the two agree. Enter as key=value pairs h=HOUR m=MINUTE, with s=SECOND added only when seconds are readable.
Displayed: h=8 m=55
